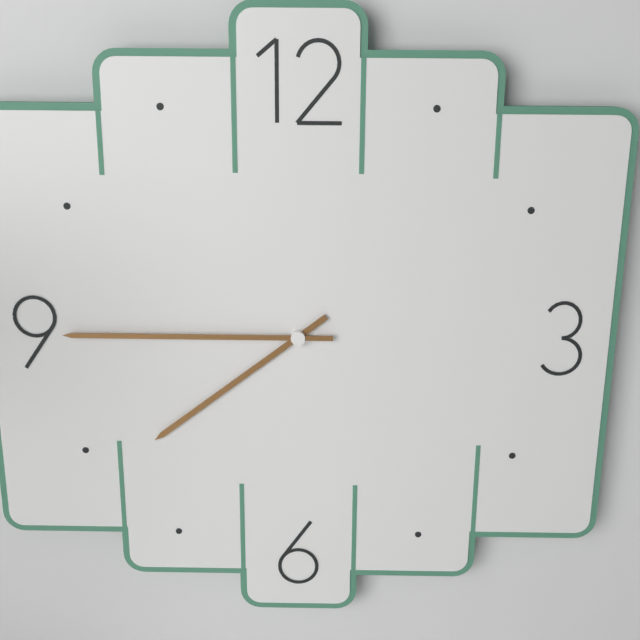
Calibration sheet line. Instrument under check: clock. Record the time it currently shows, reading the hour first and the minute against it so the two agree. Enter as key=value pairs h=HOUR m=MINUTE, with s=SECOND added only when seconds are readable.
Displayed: h=7 m=45
